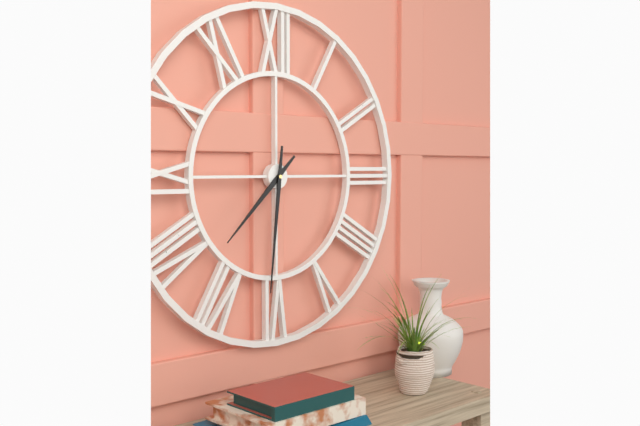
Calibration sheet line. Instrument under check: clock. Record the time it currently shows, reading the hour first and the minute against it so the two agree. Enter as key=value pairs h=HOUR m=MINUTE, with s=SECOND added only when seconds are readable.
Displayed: h=7 m=31
